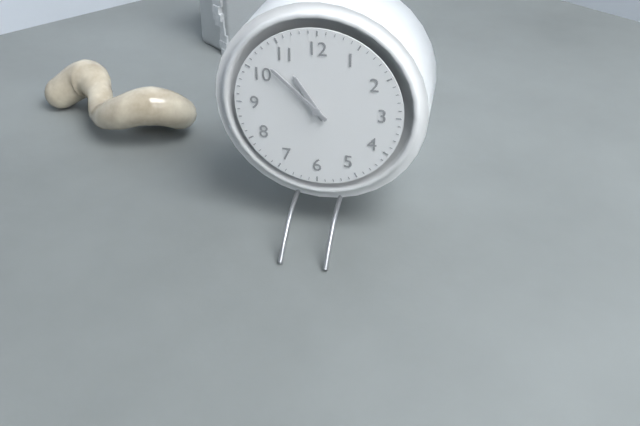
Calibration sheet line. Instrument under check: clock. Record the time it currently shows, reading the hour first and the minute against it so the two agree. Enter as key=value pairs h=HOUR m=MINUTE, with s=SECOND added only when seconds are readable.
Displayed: h=10 m=52
